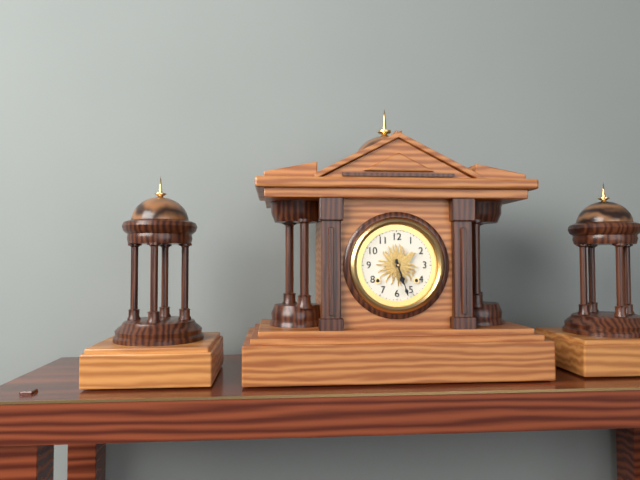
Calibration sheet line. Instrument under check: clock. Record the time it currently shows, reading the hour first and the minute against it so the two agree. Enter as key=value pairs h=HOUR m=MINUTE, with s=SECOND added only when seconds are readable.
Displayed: h=5 m=27
